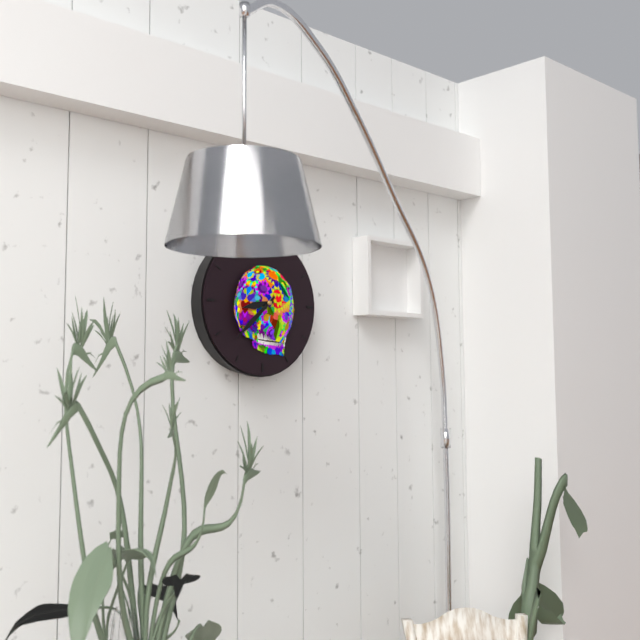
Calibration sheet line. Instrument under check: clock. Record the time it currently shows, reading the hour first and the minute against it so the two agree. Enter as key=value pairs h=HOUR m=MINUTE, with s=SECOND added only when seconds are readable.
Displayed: h=8 m=38
